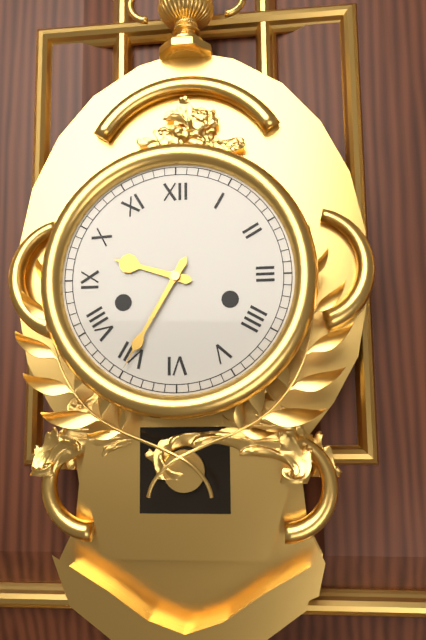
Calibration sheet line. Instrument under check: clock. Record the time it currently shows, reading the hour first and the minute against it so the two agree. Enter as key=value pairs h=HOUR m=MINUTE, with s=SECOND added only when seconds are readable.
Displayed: h=9 m=35
